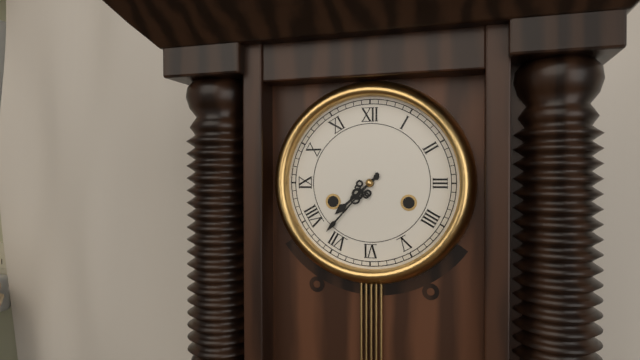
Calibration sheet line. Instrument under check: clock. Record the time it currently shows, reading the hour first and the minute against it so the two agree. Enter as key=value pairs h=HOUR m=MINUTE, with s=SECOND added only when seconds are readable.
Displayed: h=7 m=37
